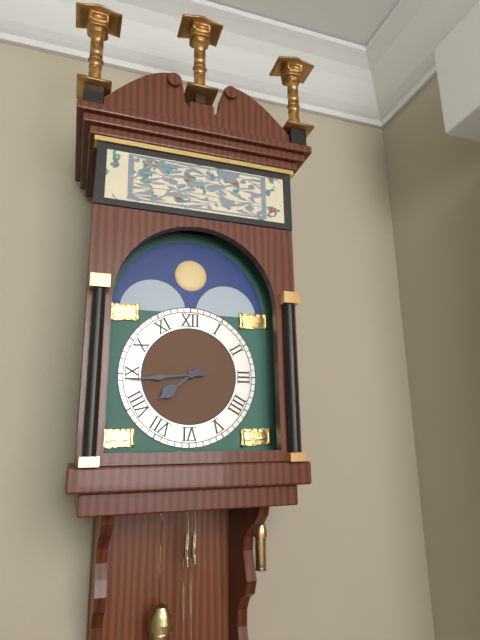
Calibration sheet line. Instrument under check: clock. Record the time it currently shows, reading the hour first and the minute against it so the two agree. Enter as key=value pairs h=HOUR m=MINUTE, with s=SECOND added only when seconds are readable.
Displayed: h=7 m=44
